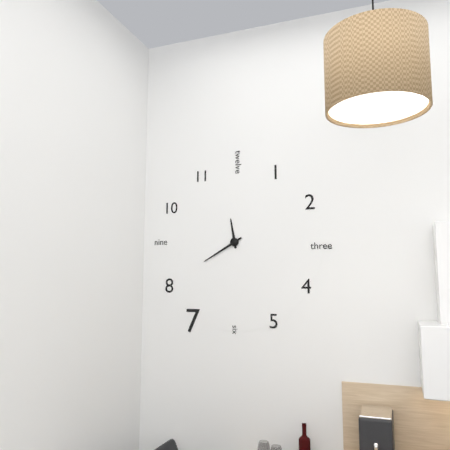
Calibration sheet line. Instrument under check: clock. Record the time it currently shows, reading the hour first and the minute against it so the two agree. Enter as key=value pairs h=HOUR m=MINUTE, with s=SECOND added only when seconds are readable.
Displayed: h=11 m=40
